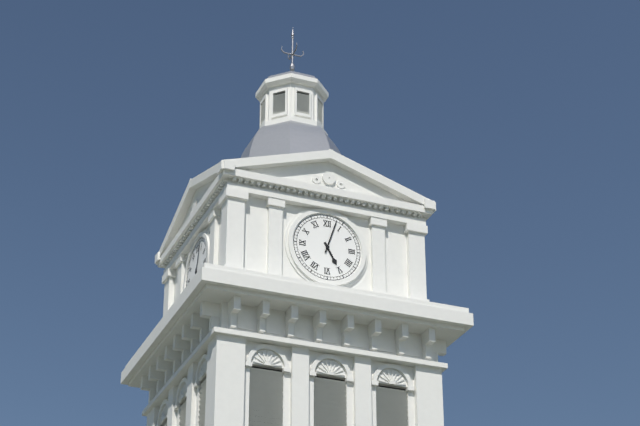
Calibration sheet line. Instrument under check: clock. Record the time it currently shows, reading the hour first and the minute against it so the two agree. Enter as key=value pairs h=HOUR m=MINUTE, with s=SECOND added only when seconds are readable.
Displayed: h=5 m=3
